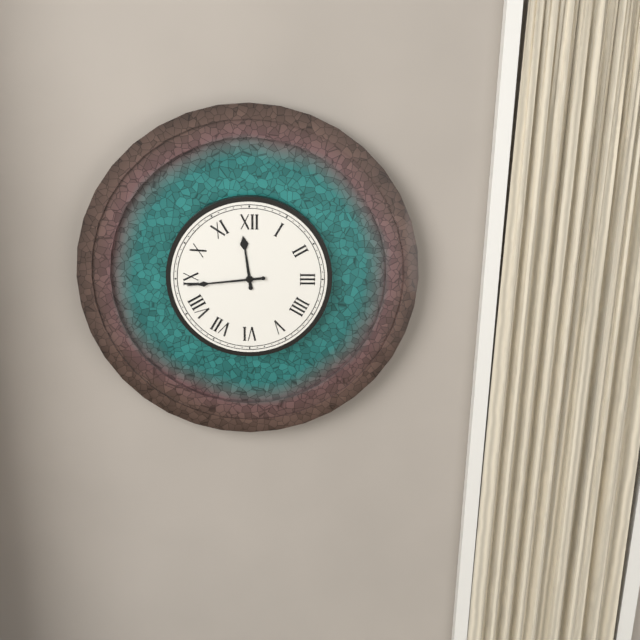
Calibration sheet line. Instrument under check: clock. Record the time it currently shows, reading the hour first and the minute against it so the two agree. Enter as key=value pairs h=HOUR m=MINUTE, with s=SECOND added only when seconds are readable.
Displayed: h=11 m=44
